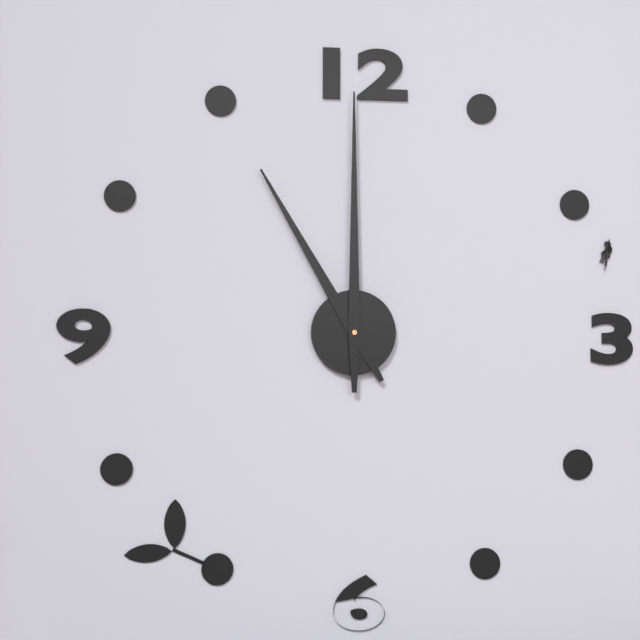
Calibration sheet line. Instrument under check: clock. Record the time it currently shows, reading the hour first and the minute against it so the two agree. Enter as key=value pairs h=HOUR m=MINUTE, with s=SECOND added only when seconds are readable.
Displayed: h=11 m=0
